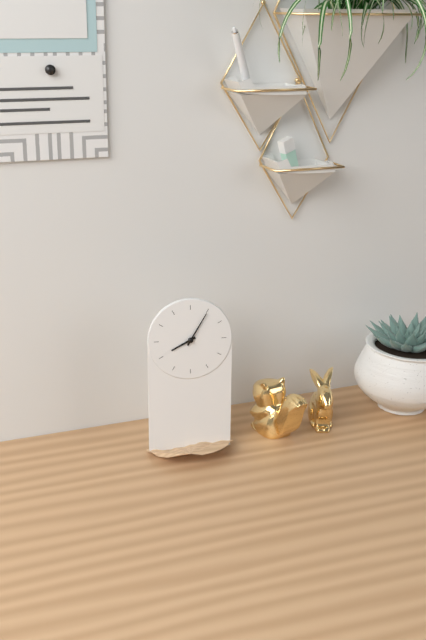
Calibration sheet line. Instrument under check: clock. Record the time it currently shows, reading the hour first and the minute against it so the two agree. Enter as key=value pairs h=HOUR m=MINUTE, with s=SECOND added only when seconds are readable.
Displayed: h=8 m=5
